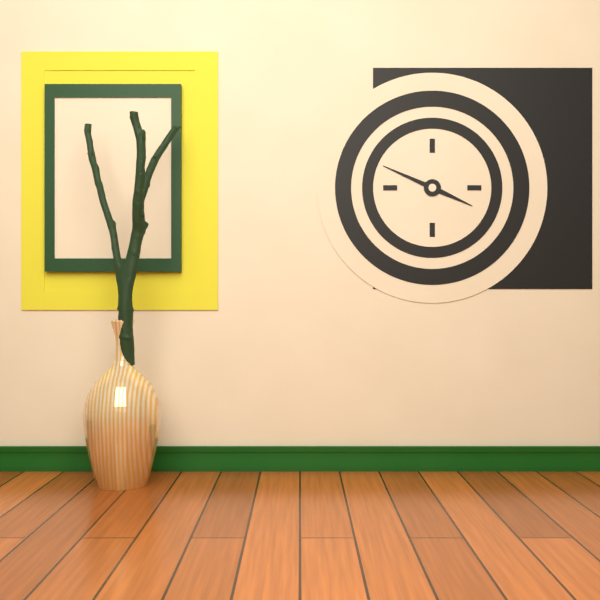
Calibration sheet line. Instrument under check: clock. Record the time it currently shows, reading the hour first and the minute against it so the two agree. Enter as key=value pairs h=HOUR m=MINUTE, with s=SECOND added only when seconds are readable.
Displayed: h=3 m=49
